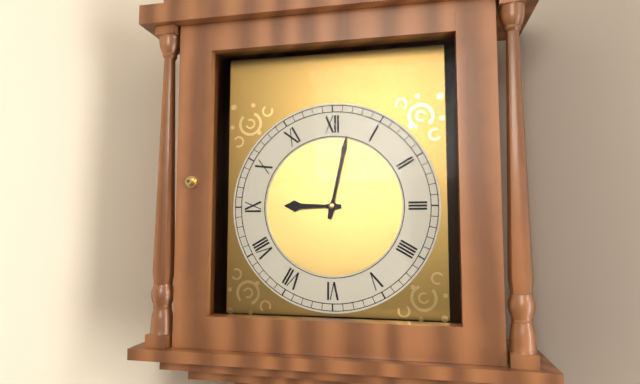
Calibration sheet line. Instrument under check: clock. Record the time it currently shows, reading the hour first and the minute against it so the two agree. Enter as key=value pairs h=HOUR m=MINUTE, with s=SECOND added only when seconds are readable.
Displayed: h=9 m=2
